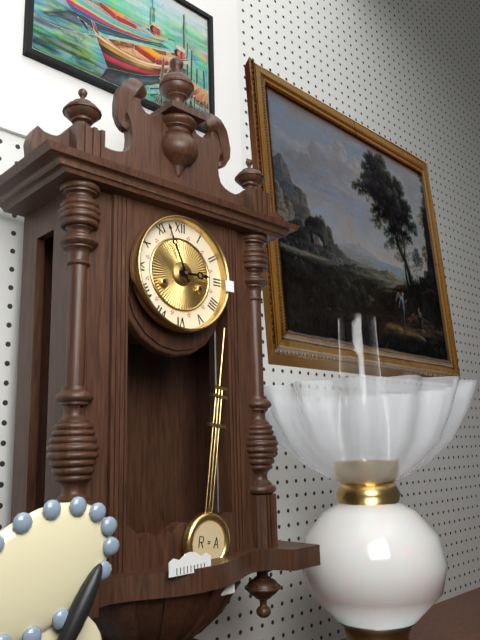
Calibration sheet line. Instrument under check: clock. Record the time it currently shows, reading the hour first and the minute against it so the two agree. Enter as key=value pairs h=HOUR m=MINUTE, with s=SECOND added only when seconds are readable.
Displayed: h=2 m=56
